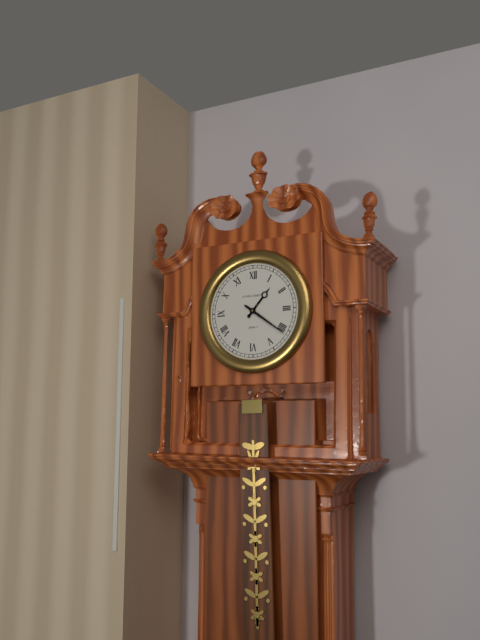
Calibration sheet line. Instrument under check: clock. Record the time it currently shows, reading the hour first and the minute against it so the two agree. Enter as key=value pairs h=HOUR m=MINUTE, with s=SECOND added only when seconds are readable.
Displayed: h=1 m=21
